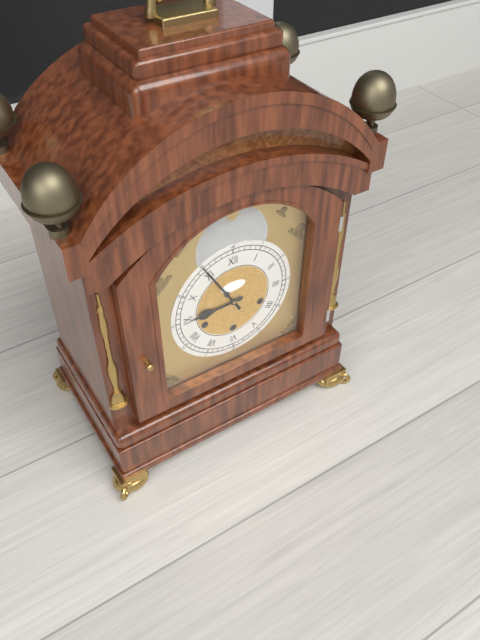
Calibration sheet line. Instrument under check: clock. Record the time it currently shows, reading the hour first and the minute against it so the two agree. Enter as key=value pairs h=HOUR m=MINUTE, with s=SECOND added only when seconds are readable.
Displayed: h=8 m=55
